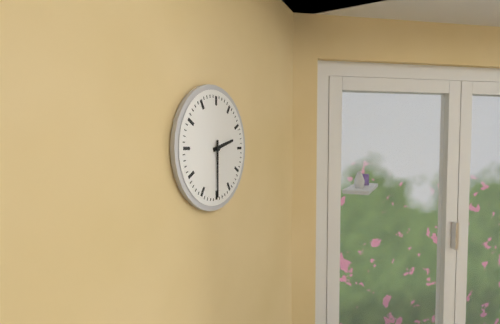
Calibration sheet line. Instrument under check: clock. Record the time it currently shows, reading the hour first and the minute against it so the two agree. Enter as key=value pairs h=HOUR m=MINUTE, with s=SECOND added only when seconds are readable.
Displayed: h=2 m=30
